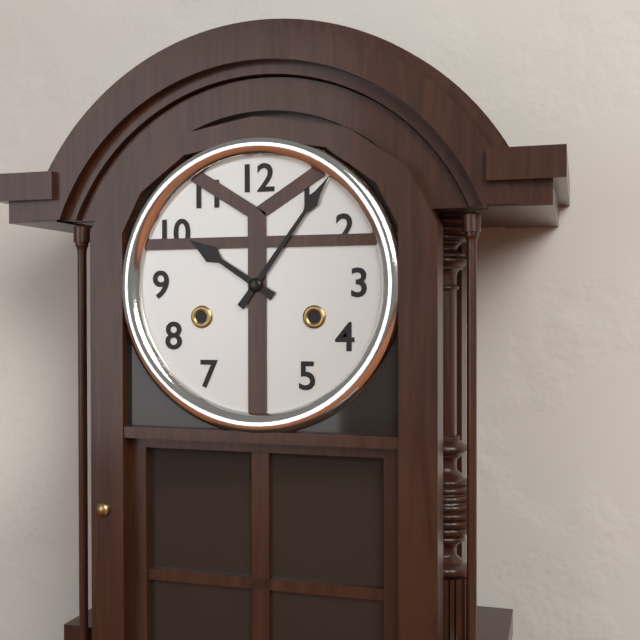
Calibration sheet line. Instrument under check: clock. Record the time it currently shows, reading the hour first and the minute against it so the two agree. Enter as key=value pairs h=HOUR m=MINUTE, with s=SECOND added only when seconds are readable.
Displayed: h=10 m=6
